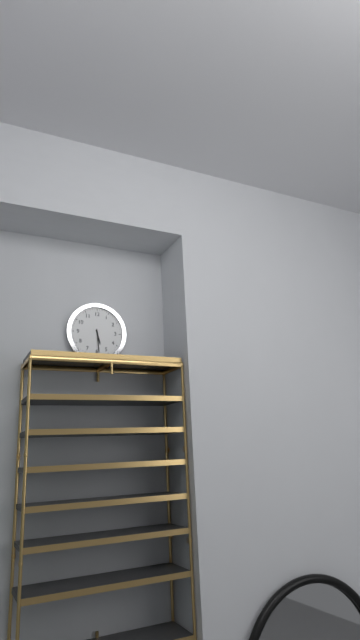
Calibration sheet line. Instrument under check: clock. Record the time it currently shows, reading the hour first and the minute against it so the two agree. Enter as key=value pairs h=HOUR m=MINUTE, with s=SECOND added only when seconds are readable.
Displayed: h=5 m=29
